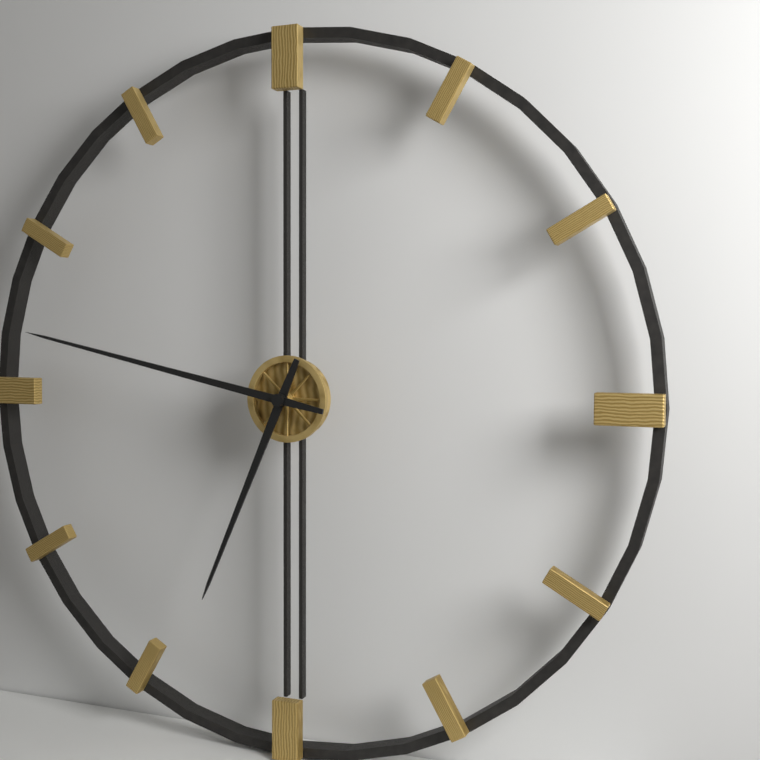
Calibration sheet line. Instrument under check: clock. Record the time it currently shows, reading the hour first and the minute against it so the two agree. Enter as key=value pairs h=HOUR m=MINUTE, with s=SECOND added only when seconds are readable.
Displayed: h=6 m=47
